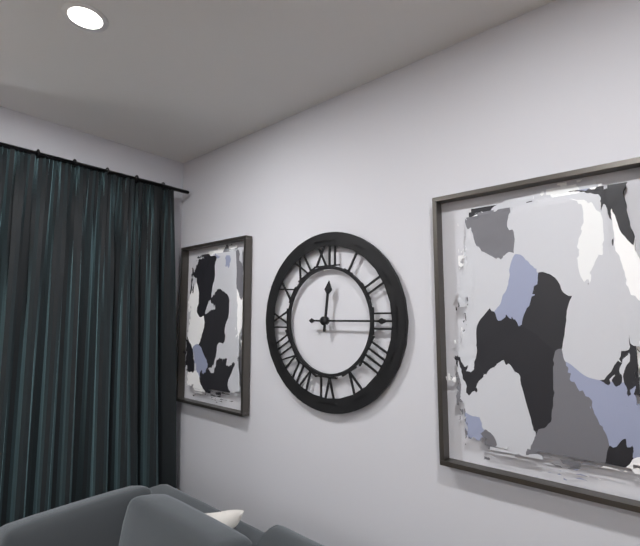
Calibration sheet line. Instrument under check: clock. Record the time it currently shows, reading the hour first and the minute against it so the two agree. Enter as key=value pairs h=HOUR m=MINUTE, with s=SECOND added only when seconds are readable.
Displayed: h=12 m=15
